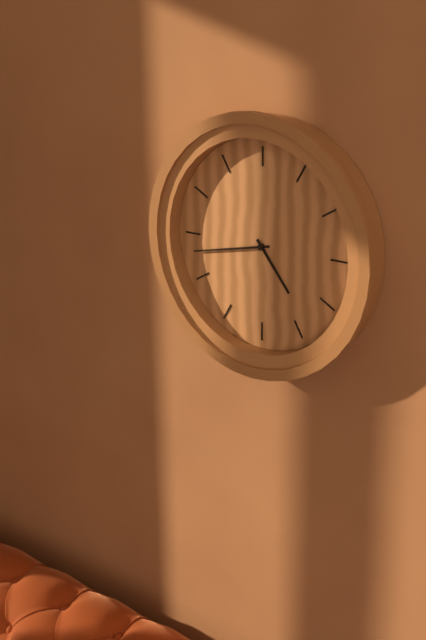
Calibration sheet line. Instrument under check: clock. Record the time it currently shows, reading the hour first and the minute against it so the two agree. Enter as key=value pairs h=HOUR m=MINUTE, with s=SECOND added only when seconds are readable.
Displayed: h=4 m=43
